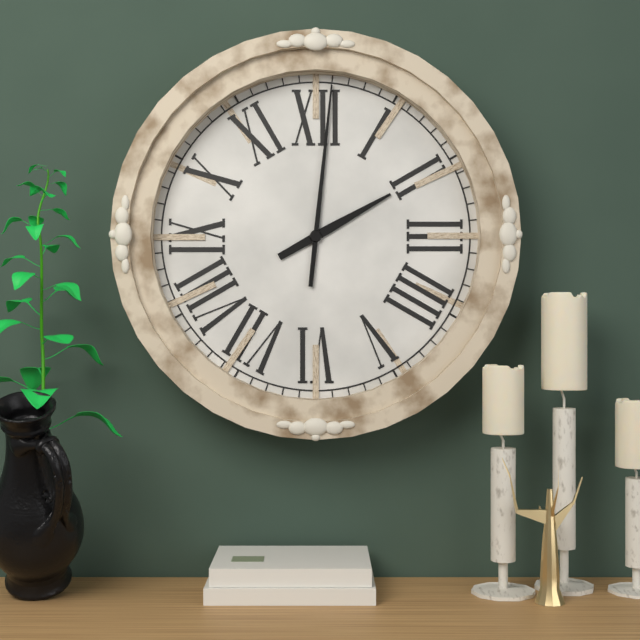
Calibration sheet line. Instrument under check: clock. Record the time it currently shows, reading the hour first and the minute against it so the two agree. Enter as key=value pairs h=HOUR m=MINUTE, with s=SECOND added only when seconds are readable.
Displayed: h=2 m=1
